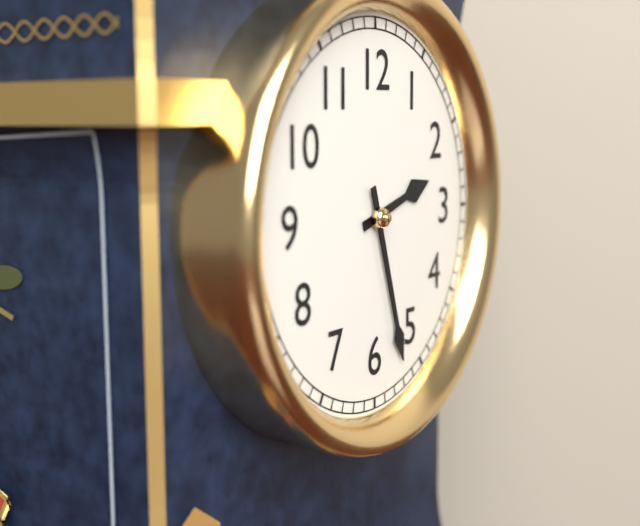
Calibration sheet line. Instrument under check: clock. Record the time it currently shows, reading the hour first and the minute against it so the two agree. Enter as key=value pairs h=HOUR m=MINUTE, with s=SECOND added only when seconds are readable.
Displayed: h=2 m=27
